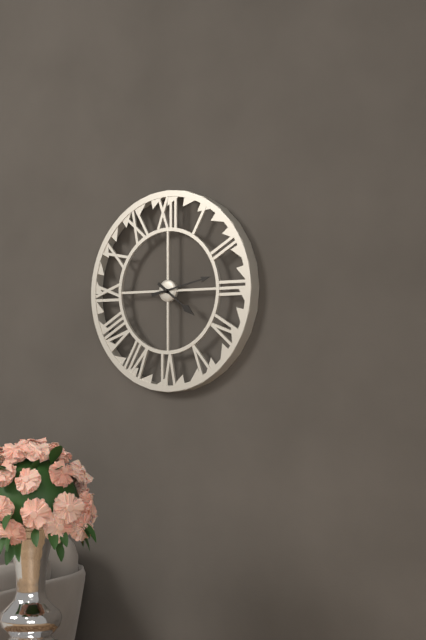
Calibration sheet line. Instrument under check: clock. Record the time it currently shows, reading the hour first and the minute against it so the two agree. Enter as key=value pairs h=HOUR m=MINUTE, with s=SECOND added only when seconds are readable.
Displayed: h=4 m=13
